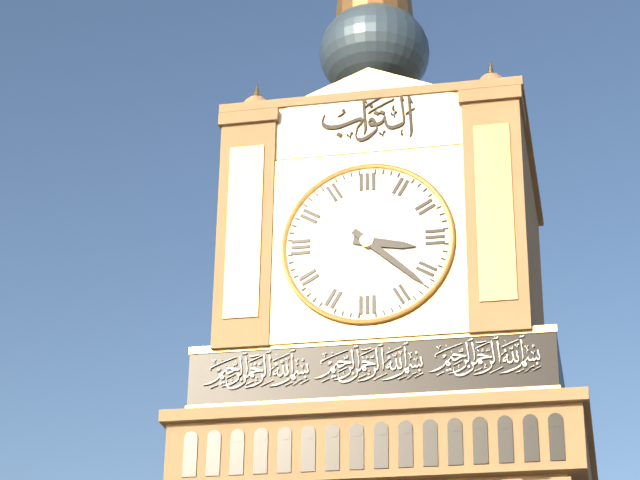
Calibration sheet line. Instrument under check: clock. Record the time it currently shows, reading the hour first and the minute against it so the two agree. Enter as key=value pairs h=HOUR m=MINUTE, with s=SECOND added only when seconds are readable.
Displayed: h=3 m=22
